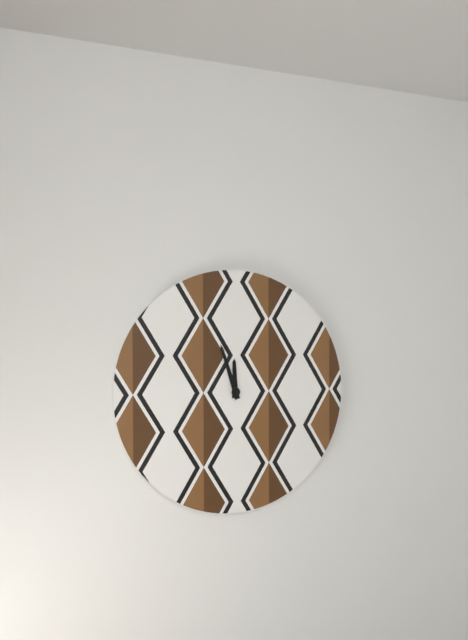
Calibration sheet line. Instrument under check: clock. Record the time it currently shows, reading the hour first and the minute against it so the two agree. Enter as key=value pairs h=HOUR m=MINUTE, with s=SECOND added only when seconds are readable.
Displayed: h=11 m=57
